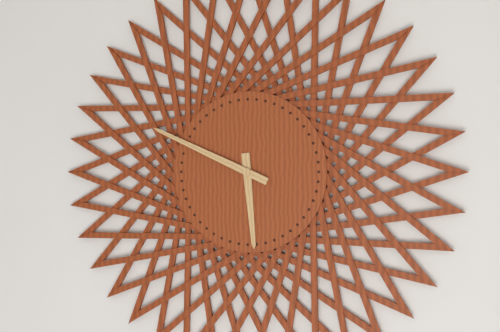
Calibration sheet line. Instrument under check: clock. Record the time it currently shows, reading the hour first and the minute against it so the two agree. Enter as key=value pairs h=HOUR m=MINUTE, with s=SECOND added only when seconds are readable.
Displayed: h=5 m=49
